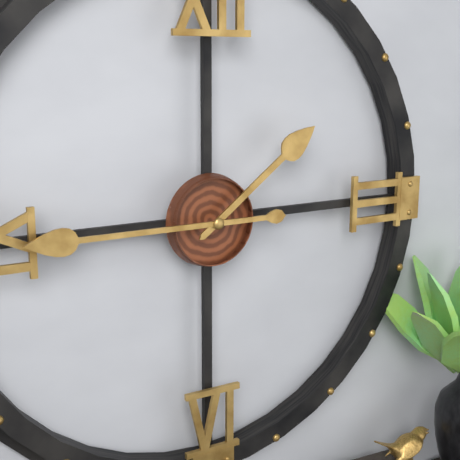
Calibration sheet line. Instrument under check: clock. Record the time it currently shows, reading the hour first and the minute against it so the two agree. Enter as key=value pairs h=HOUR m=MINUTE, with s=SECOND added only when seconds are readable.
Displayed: h=1 m=45
